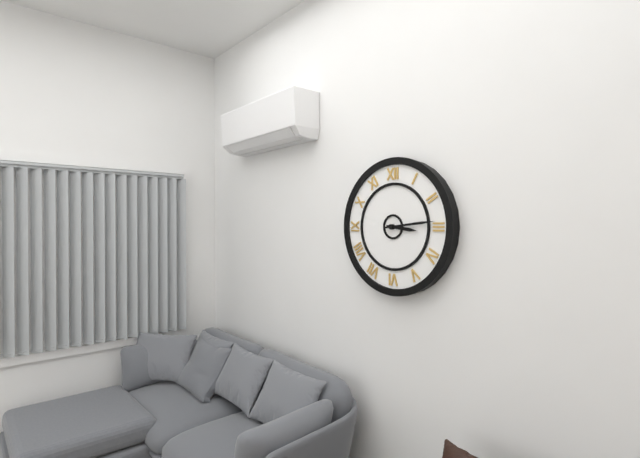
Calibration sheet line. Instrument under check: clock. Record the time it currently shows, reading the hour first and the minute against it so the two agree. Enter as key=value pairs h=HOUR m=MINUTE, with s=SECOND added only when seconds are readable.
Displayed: h=3 m=14
